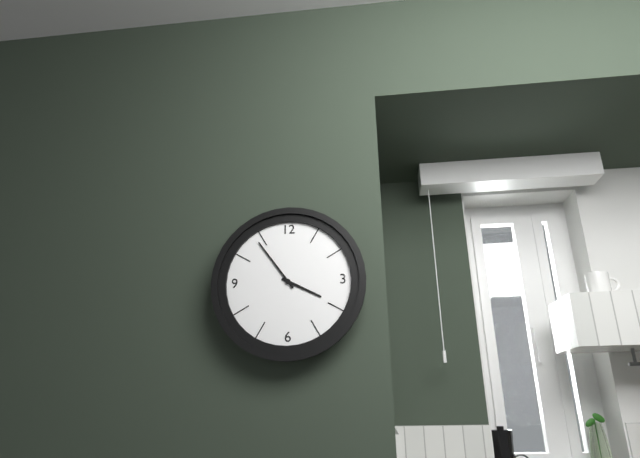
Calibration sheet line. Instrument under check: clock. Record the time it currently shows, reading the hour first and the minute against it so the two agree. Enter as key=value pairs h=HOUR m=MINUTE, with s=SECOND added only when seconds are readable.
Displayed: h=3 m=54
